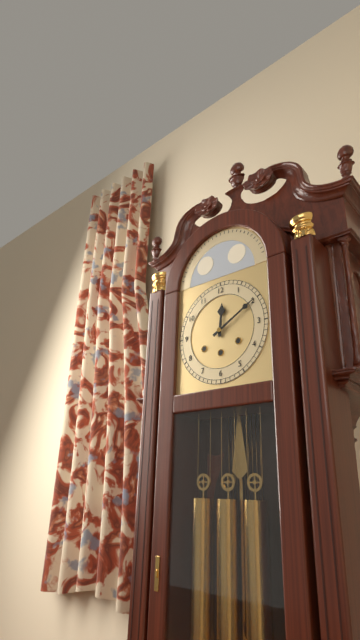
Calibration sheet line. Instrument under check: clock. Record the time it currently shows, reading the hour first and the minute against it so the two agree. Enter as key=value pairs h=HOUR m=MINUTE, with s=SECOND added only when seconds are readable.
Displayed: h=12 m=10
